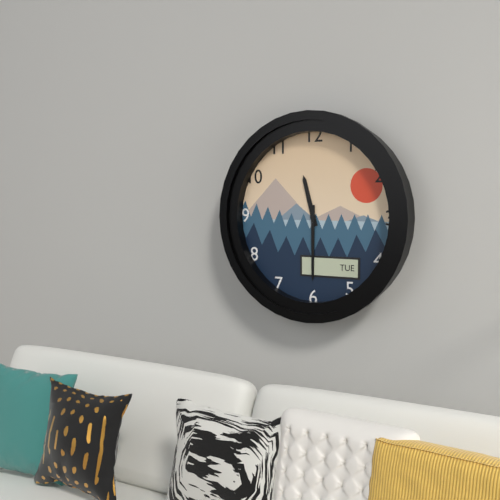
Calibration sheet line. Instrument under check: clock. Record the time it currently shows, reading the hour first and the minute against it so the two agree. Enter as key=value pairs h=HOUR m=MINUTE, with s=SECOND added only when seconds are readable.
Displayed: h=11 m=30
